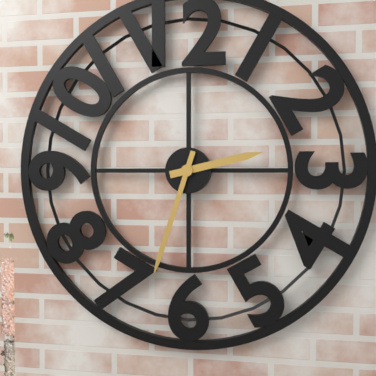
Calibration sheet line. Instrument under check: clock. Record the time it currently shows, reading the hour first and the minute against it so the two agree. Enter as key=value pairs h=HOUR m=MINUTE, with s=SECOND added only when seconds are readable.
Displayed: h=2 m=33
